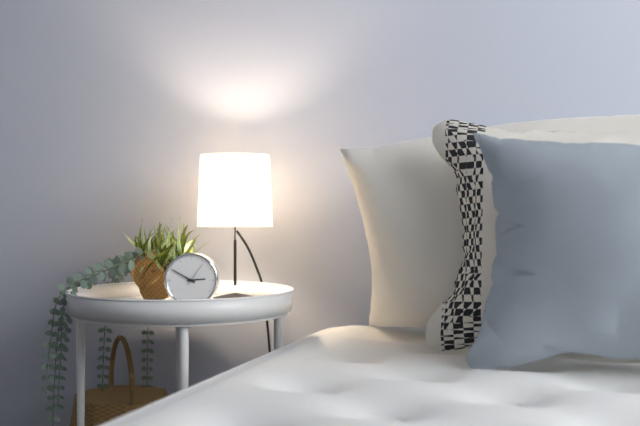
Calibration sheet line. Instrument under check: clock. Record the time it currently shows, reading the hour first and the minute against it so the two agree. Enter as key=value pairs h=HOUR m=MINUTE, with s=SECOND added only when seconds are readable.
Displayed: h=2 m=50
